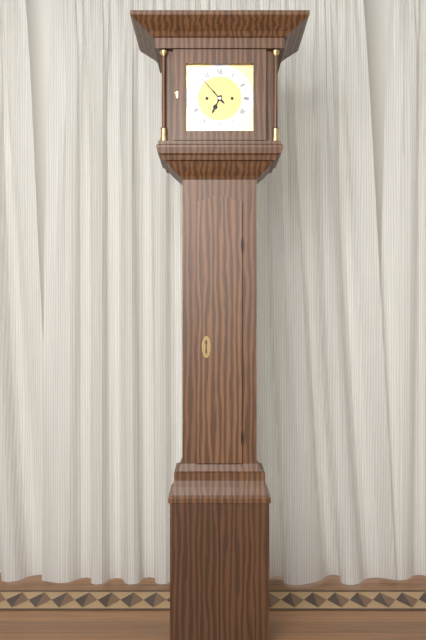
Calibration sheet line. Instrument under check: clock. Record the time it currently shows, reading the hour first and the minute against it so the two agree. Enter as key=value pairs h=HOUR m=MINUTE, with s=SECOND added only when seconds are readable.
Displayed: h=6 m=53
